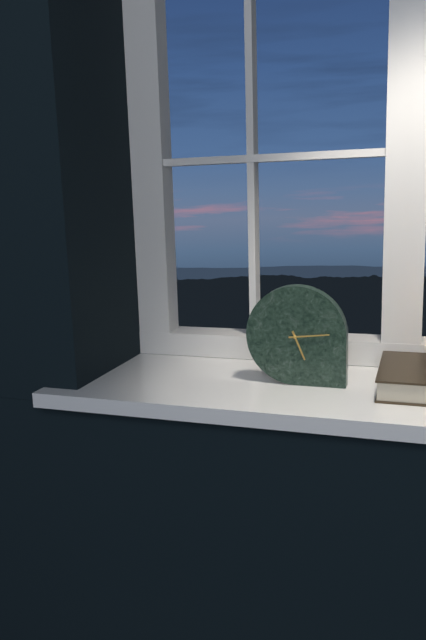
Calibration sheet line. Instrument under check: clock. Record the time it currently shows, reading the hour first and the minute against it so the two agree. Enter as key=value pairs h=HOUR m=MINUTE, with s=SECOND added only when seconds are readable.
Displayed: h=5 m=14
